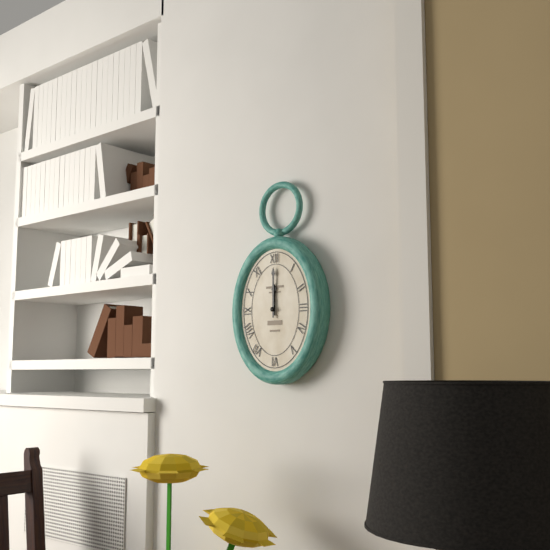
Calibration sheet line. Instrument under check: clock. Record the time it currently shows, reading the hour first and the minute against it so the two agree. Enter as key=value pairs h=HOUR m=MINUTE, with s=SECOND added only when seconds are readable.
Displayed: h=12 m=0
